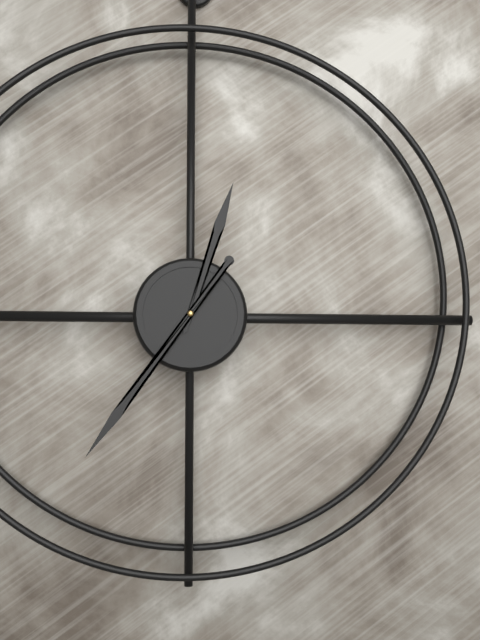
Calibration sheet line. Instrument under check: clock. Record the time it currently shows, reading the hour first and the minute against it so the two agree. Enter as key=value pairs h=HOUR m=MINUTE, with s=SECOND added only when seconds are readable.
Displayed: h=12 m=36
